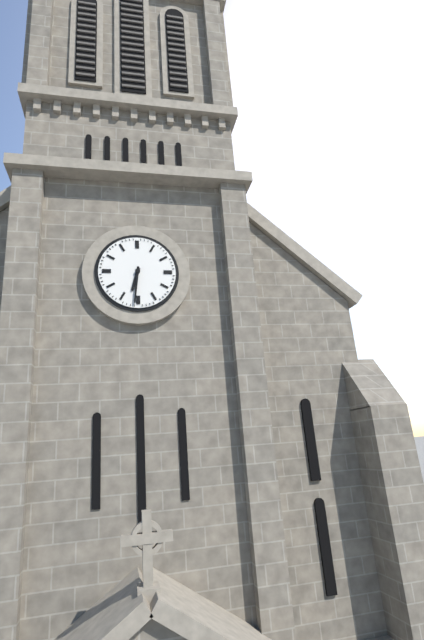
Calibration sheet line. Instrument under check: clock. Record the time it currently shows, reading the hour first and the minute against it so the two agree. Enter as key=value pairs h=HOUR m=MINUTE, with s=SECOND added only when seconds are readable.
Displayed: h=6 m=31
